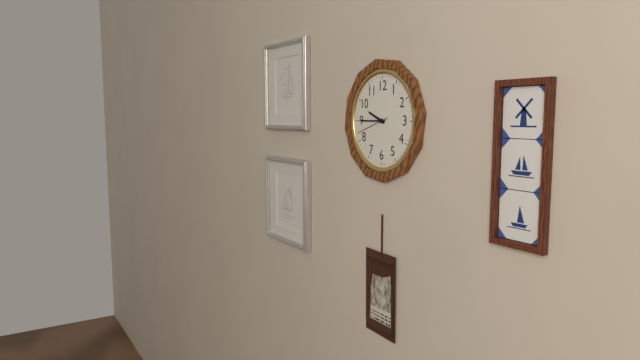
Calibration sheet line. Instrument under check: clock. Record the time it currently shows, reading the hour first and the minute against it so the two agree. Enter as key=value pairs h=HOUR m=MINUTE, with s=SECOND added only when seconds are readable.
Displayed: h=9 m=45
